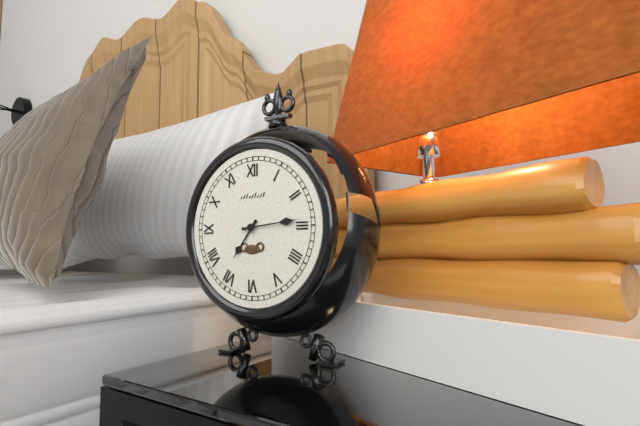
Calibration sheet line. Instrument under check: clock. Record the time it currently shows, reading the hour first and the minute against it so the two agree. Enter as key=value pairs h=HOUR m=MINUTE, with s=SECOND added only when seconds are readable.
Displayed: h=7 m=14
